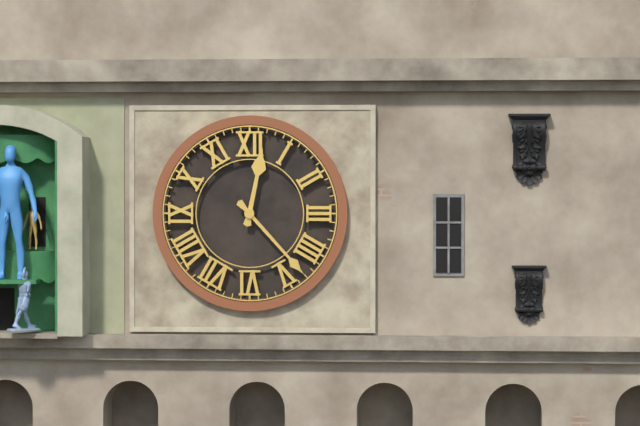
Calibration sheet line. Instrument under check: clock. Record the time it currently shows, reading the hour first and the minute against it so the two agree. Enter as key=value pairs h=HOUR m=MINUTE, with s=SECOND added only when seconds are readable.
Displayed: h=12 m=23
